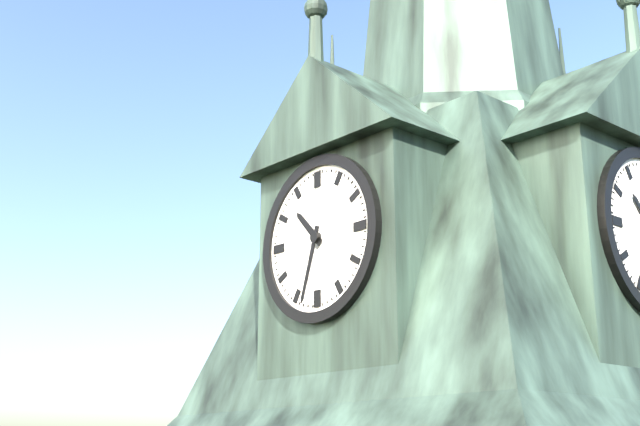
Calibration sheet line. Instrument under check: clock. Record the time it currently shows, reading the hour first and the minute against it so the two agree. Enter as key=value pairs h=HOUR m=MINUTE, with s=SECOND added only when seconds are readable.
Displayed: h=10 m=33
